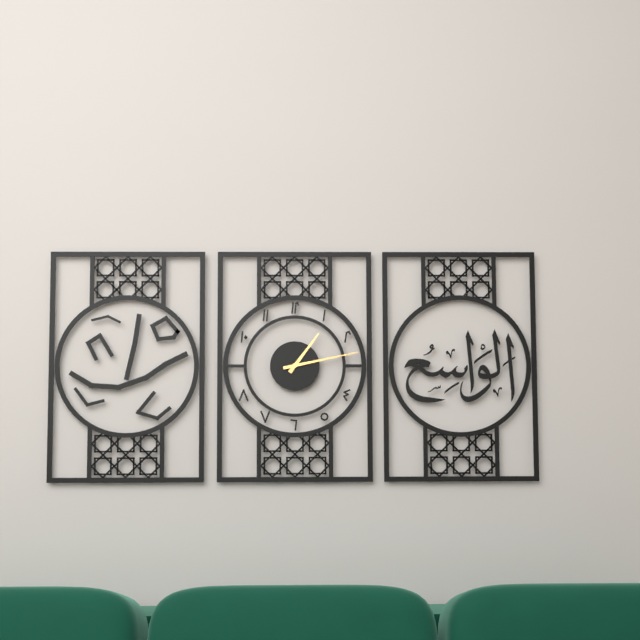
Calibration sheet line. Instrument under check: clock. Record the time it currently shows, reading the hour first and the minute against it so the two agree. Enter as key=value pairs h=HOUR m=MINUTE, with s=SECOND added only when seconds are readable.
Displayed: h=1 m=13
